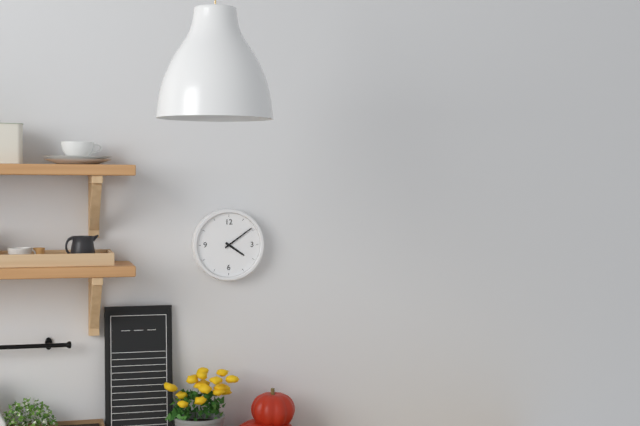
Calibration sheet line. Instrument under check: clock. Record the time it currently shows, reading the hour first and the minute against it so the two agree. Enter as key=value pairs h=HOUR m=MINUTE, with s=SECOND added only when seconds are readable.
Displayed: h=4 m=9
